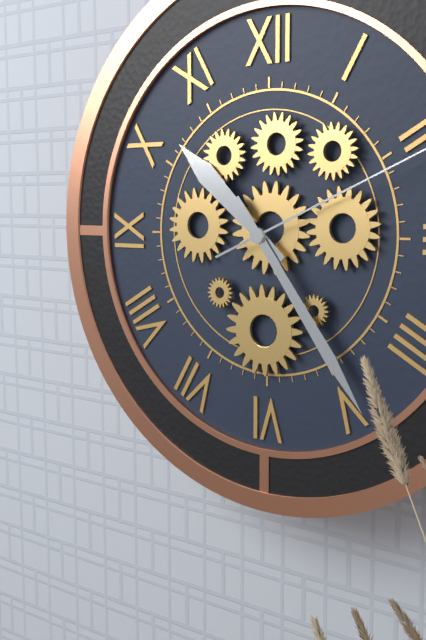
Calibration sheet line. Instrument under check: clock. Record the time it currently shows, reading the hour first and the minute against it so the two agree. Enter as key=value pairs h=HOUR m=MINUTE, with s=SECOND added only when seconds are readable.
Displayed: h=10 m=24
